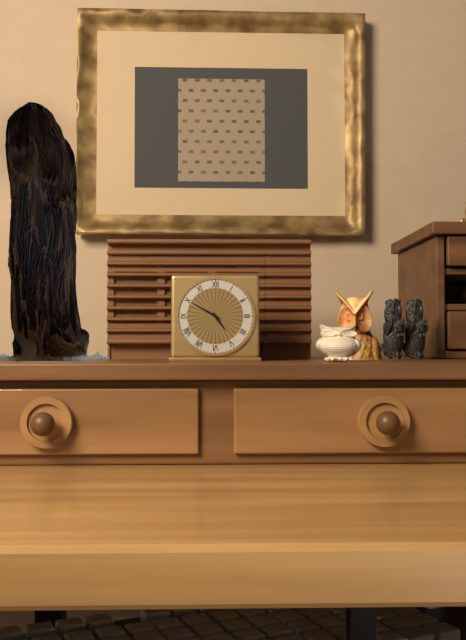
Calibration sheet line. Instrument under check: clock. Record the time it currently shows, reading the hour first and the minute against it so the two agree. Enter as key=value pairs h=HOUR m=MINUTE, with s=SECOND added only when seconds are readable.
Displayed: h=4 m=50
